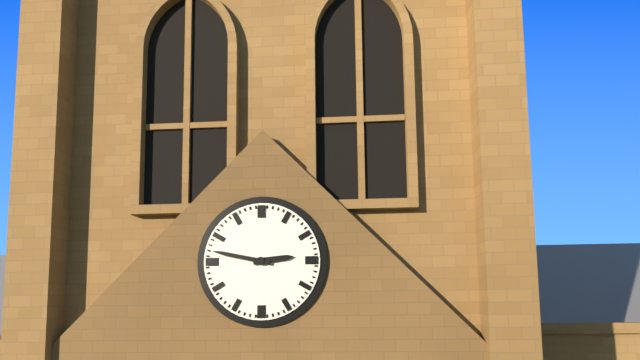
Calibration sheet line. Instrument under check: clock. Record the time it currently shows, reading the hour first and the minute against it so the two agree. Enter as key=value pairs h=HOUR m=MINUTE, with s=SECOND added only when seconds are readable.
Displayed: h=2 m=47
